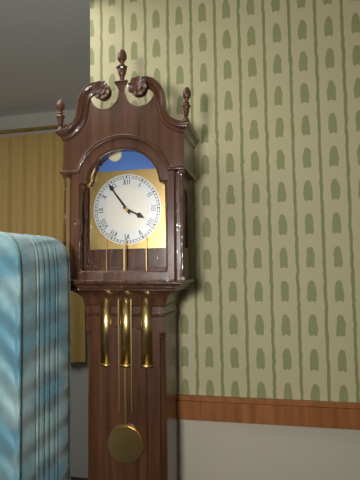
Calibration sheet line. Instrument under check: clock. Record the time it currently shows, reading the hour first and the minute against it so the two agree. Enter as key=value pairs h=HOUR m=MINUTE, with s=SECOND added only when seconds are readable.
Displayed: h=3 m=54
